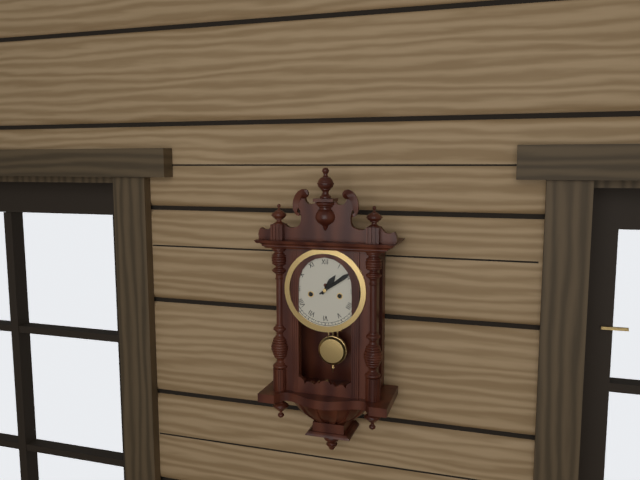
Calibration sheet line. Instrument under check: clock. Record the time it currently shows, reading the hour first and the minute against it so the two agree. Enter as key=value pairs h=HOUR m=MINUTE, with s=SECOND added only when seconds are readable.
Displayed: h=1 m=9
